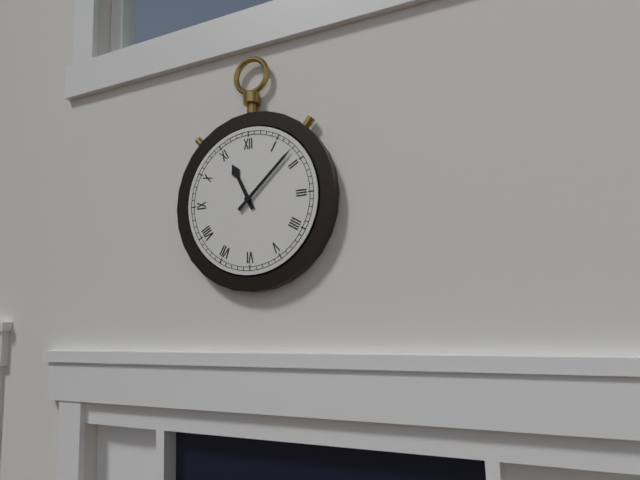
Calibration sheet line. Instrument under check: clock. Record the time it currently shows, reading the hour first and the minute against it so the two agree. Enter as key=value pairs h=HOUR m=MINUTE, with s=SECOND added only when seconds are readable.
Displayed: h=11 m=8
